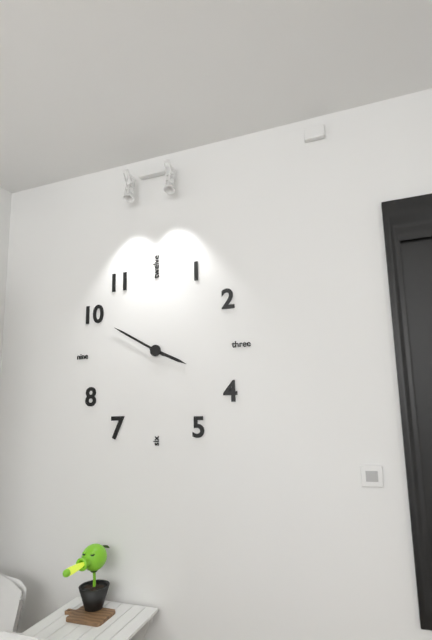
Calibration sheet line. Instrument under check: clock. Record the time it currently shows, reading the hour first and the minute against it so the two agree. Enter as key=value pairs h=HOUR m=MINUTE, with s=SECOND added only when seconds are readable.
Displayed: h=3 m=50
